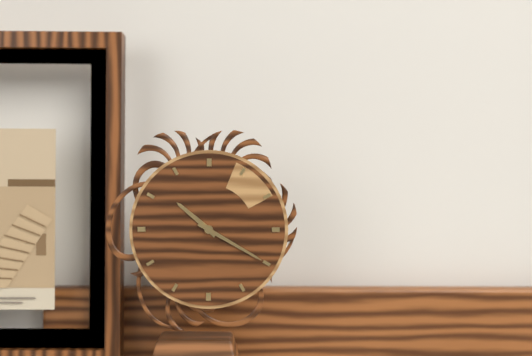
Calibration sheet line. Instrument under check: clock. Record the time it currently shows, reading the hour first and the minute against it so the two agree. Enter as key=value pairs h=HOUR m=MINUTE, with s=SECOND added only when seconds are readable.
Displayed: h=10 m=20
